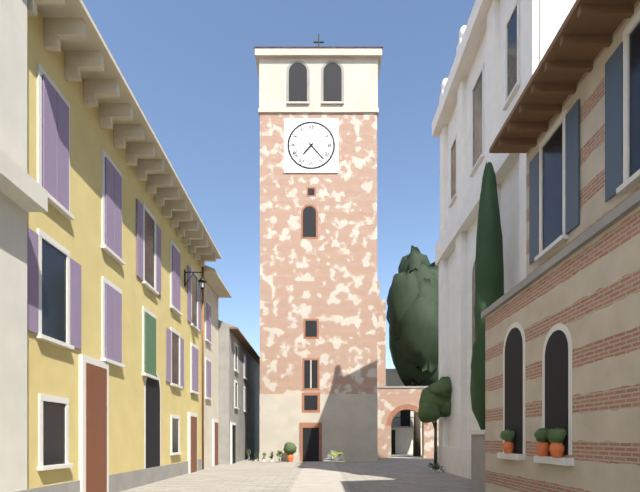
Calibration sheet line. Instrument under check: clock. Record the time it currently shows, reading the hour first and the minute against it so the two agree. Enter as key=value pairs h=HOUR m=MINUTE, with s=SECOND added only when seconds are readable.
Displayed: h=7 m=23
